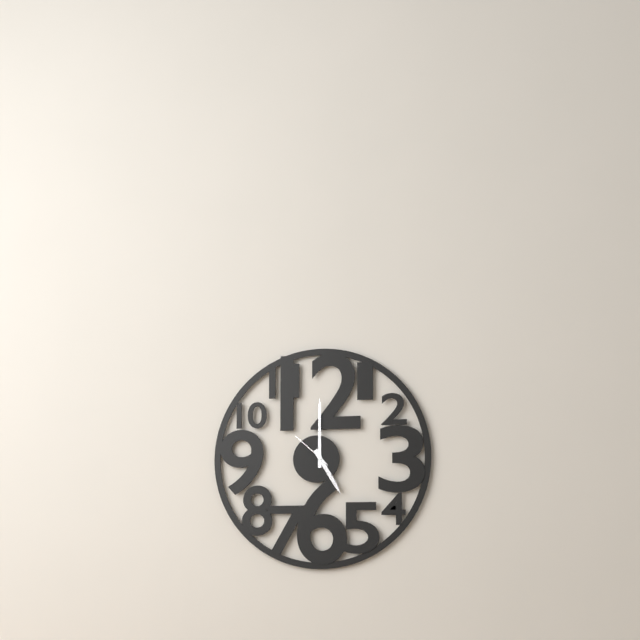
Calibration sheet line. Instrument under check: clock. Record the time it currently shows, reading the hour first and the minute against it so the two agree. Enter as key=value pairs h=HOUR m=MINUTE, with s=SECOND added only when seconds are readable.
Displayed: h=5 m=0
